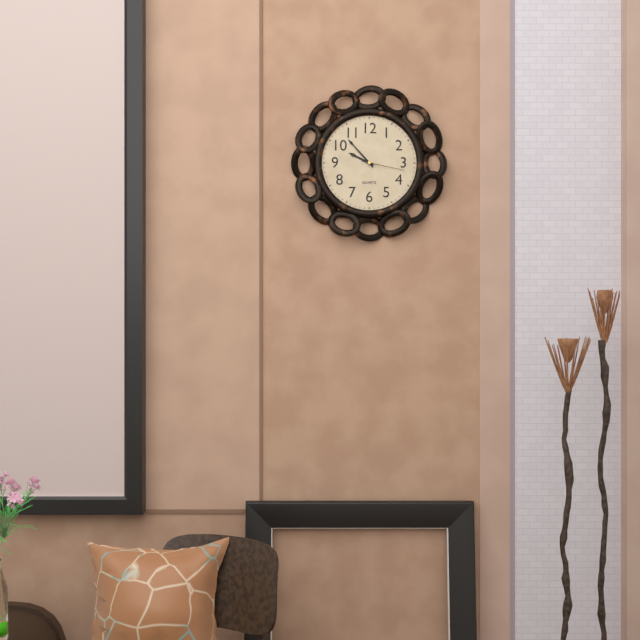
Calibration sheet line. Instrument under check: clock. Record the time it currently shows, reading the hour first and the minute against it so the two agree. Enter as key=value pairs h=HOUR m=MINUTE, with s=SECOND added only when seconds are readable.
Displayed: h=9 m=53
